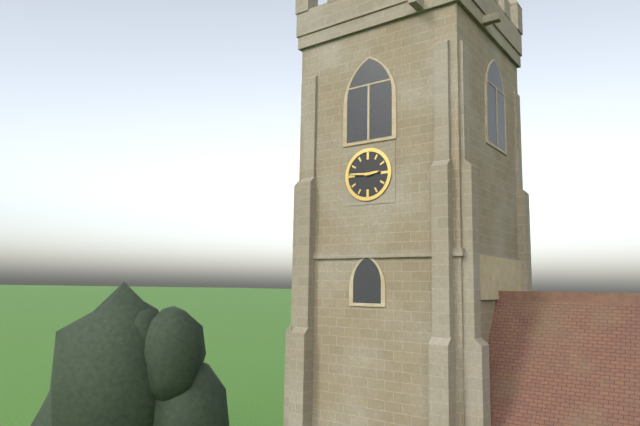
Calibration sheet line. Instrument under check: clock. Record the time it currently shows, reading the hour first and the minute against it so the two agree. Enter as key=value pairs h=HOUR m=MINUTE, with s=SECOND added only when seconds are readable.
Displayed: h=2 m=46
